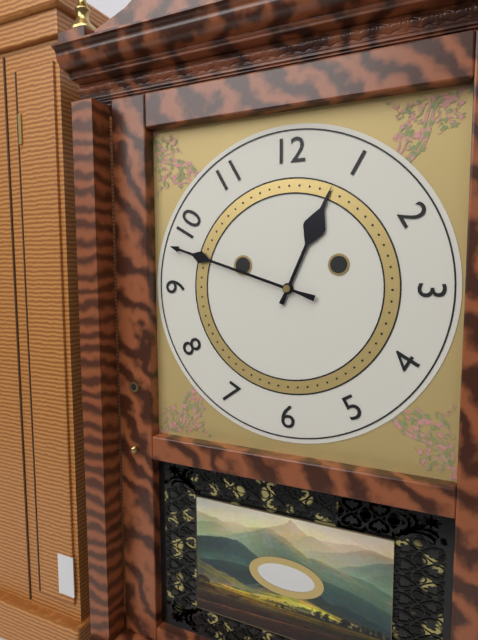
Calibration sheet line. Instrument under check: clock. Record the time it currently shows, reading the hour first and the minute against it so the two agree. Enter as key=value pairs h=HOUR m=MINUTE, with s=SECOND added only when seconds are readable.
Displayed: h=12 m=48
